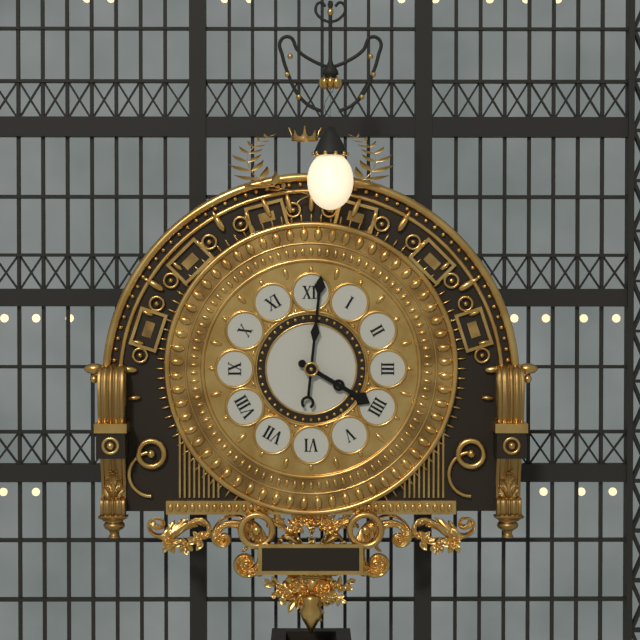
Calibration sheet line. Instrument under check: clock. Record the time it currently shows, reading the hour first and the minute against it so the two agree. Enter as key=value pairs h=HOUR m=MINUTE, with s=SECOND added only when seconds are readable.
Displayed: h=4 m=1
